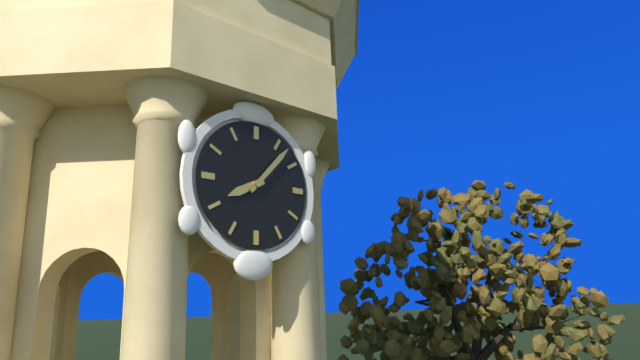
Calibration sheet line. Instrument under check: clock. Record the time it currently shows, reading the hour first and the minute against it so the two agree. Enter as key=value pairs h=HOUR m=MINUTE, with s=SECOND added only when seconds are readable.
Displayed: h=8 m=7
